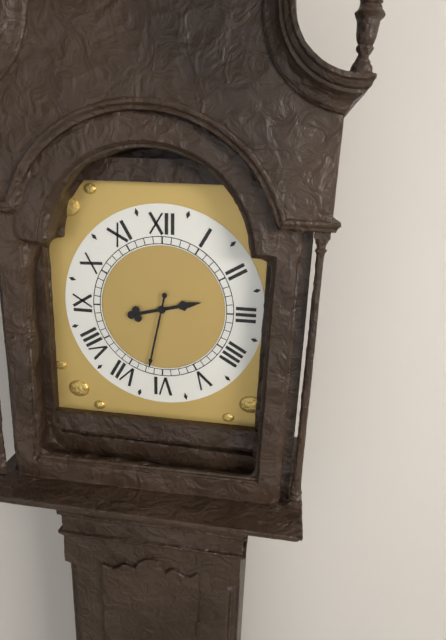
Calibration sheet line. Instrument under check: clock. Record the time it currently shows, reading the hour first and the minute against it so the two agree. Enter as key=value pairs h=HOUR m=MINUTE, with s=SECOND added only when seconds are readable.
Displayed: h=2 m=32
